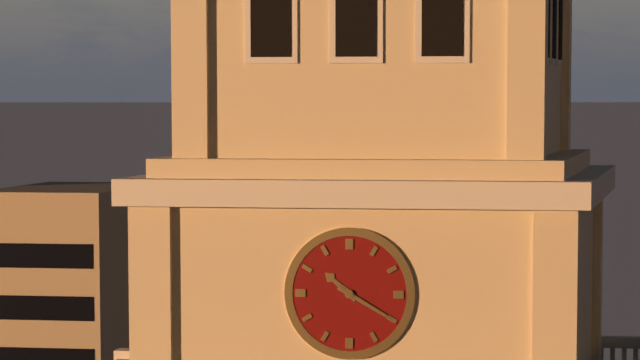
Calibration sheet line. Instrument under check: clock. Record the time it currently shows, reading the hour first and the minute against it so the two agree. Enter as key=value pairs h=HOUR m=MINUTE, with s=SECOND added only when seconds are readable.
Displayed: h=10 m=20
